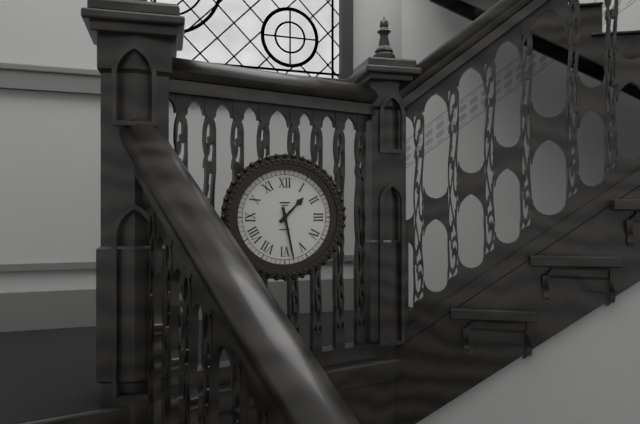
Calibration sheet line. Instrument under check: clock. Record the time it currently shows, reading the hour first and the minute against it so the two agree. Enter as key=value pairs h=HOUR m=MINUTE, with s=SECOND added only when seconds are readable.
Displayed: h=1 m=28
